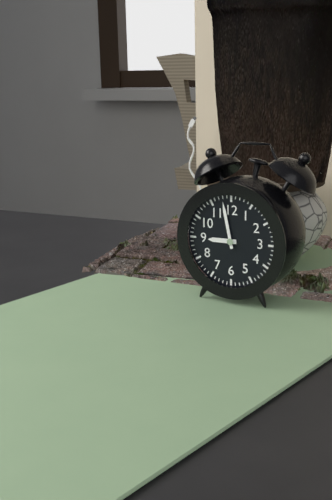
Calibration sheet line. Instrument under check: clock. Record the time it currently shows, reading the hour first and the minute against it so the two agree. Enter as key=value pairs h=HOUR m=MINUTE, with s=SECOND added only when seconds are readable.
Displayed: h=8 m=58
